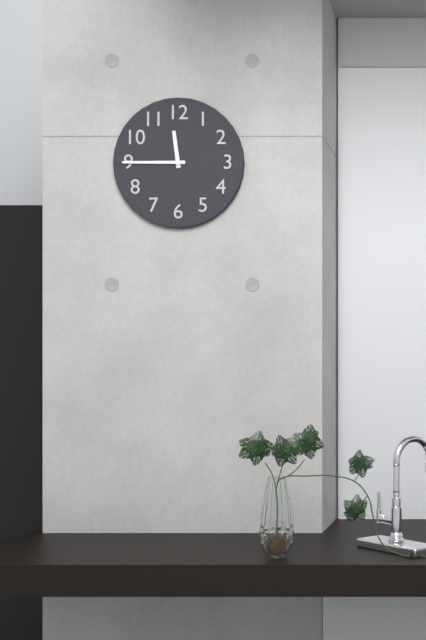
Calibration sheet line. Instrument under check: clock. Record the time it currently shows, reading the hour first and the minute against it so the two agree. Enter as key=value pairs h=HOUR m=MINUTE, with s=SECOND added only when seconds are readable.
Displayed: h=11 m=45
